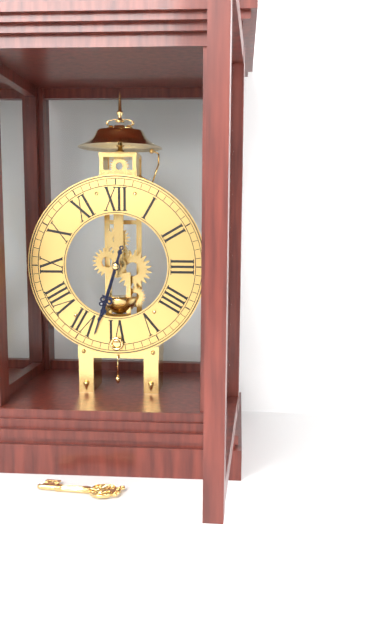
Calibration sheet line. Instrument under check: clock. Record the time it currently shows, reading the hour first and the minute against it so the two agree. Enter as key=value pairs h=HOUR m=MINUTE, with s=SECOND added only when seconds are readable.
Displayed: h=6 m=33
